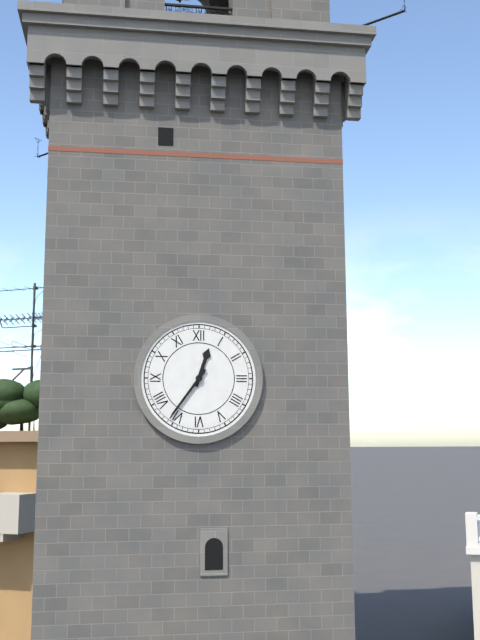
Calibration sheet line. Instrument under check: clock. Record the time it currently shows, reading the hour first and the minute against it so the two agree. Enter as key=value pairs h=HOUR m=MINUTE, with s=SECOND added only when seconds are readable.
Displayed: h=12 m=36
